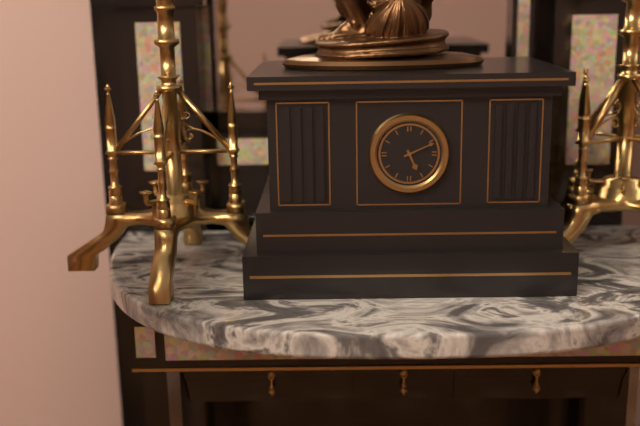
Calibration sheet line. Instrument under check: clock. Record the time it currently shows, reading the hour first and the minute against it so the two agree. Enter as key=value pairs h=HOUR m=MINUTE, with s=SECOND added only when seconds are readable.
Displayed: h=5 m=11
